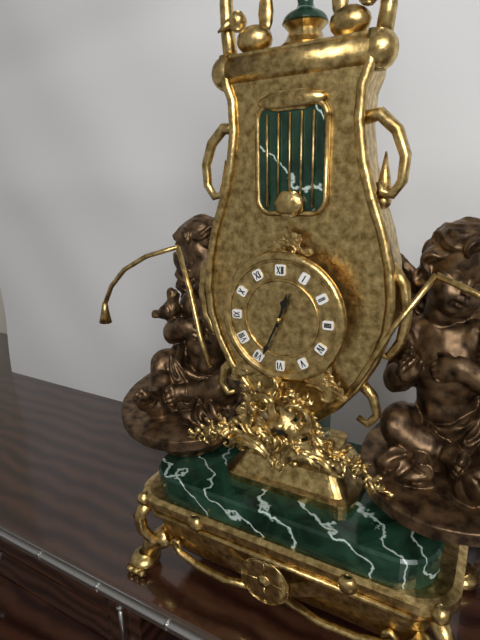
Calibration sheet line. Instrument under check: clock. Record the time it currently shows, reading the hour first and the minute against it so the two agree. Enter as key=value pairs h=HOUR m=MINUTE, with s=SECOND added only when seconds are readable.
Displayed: h=12 m=34
